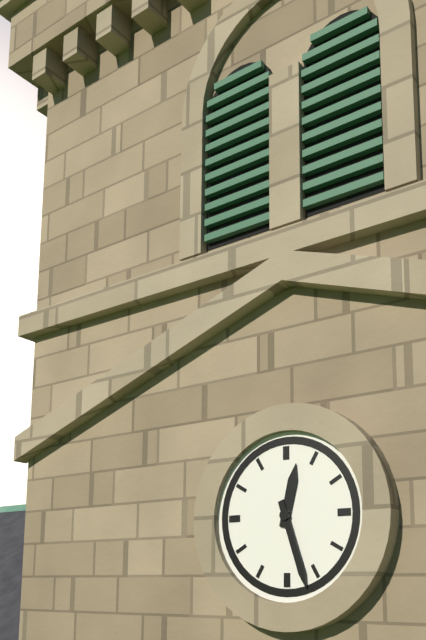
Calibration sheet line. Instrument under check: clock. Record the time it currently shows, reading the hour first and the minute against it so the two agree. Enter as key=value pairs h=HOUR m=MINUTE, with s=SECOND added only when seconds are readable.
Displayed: h=12 m=27
